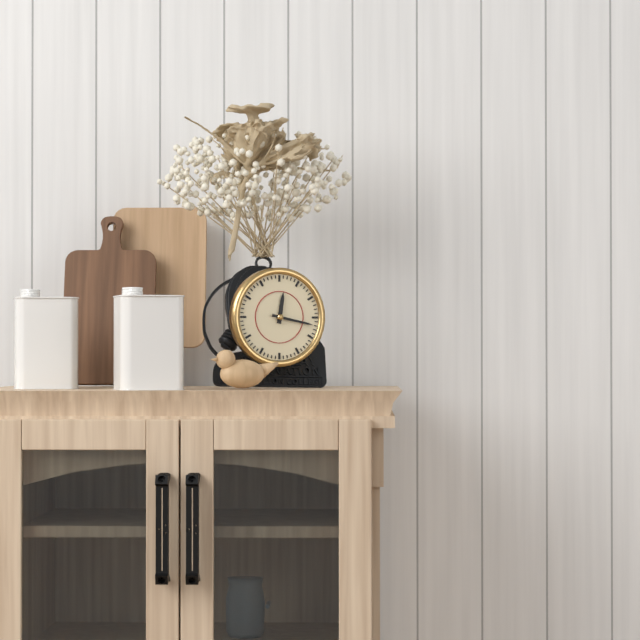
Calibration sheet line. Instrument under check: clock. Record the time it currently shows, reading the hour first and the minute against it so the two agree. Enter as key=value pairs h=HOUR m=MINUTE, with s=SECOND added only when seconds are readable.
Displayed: h=12 m=17
